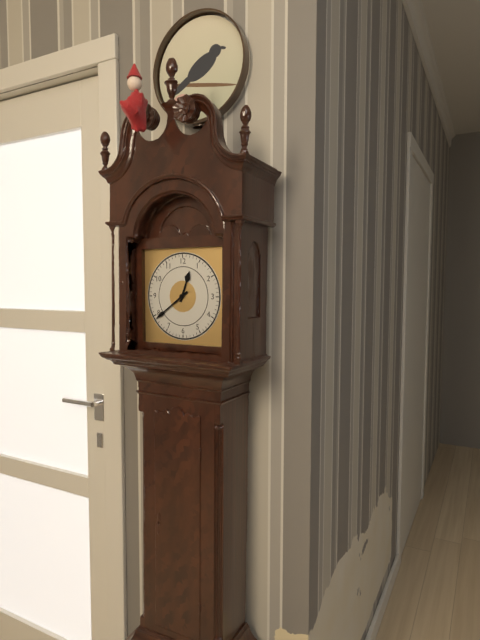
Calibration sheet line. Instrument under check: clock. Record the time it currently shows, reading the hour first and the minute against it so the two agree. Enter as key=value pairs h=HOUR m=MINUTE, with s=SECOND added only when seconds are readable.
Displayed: h=12 m=39
